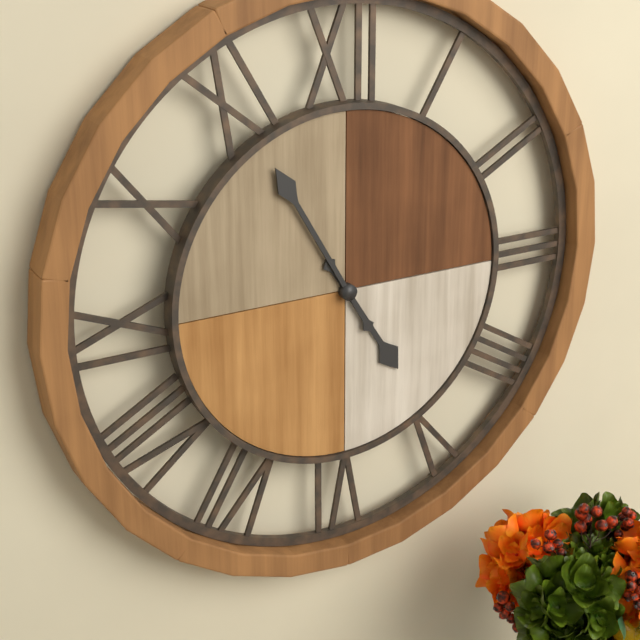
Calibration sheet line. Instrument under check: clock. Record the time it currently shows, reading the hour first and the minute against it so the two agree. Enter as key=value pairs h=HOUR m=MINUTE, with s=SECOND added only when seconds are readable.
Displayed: h=4 m=55
